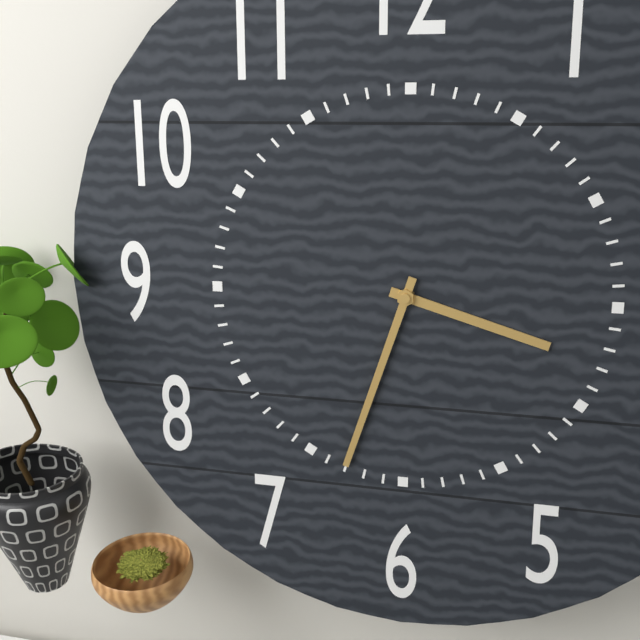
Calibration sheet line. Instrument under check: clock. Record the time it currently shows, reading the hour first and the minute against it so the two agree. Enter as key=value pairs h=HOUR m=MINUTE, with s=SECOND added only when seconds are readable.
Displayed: h=3 m=33
